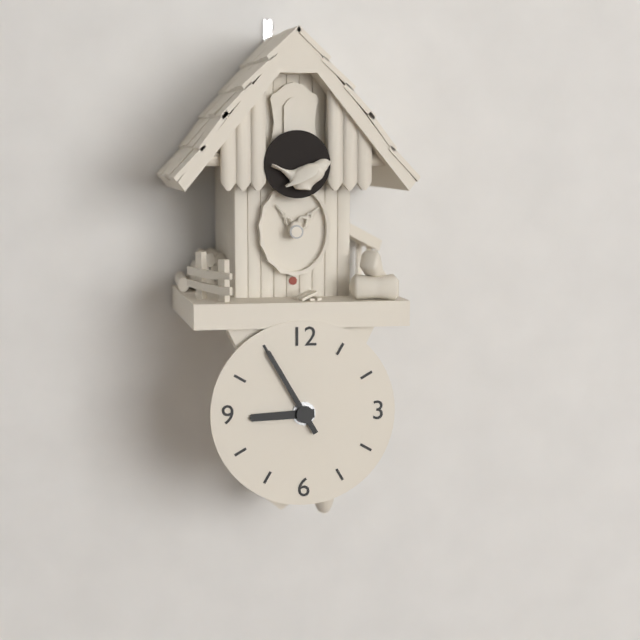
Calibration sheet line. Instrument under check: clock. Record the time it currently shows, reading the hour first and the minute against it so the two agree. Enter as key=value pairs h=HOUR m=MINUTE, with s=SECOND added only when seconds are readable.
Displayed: h=8 m=55
